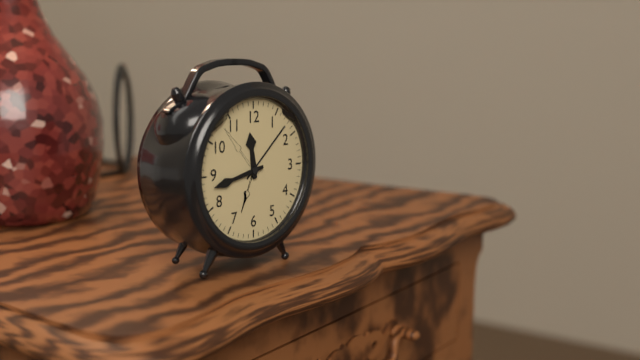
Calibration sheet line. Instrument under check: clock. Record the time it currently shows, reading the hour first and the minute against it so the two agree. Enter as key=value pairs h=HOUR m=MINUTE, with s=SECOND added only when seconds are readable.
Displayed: h=11 m=43
